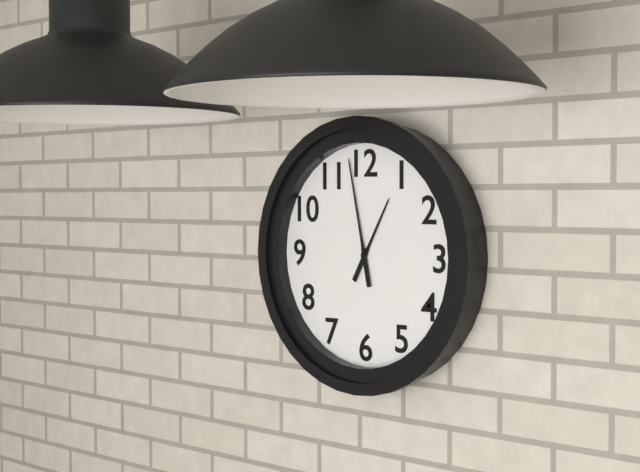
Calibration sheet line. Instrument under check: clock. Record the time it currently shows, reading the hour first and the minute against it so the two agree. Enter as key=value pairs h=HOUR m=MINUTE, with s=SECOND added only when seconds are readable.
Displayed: h=12 m=58
